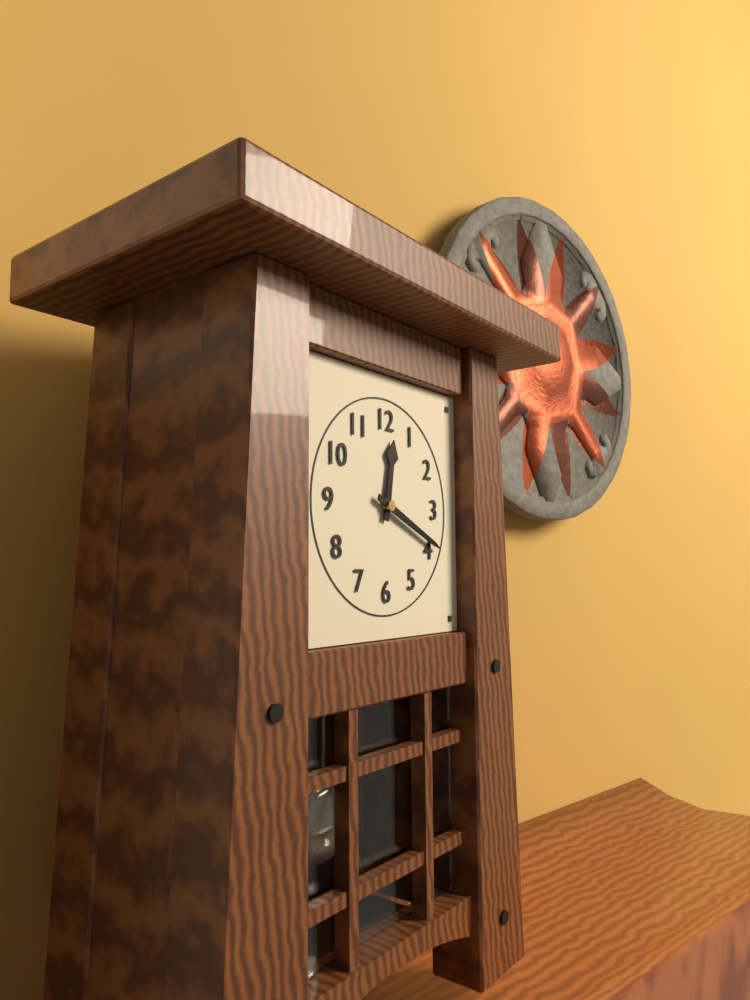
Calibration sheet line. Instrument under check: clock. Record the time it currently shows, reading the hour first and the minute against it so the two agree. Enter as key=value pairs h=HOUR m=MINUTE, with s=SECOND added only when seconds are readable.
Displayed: h=12 m=19
